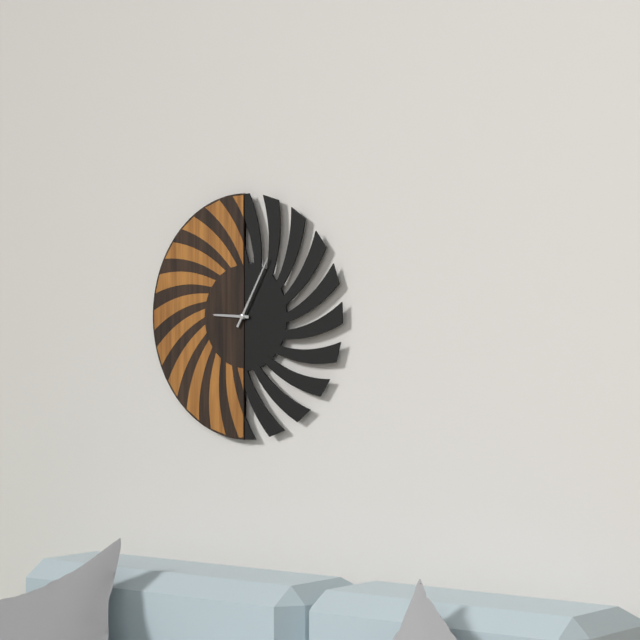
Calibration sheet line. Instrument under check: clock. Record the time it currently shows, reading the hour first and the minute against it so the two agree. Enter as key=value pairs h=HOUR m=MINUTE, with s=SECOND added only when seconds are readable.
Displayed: h=9 m=5
